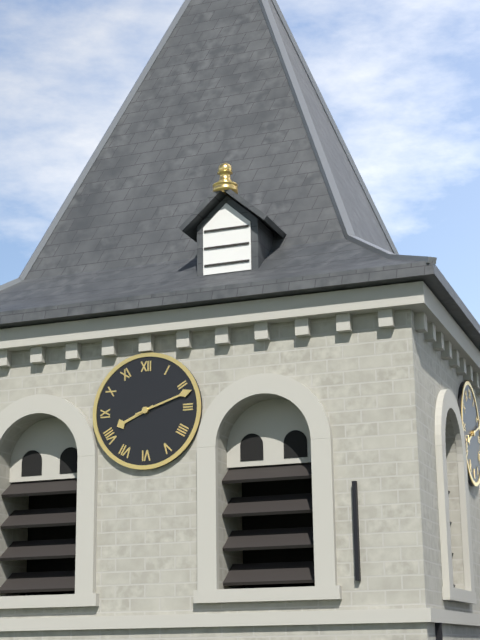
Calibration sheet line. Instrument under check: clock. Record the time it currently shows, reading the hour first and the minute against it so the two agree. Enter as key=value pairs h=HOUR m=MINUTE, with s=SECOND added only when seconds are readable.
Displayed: h=8 m=12
